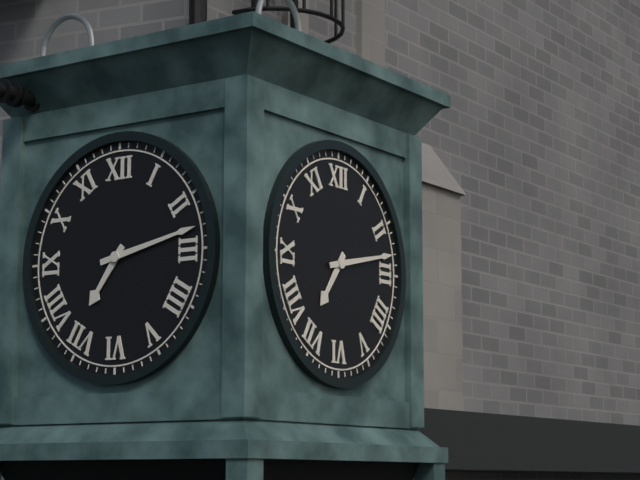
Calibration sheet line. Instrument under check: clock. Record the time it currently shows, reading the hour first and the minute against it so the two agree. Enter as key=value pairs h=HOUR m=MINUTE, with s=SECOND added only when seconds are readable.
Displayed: h=7 m=13
